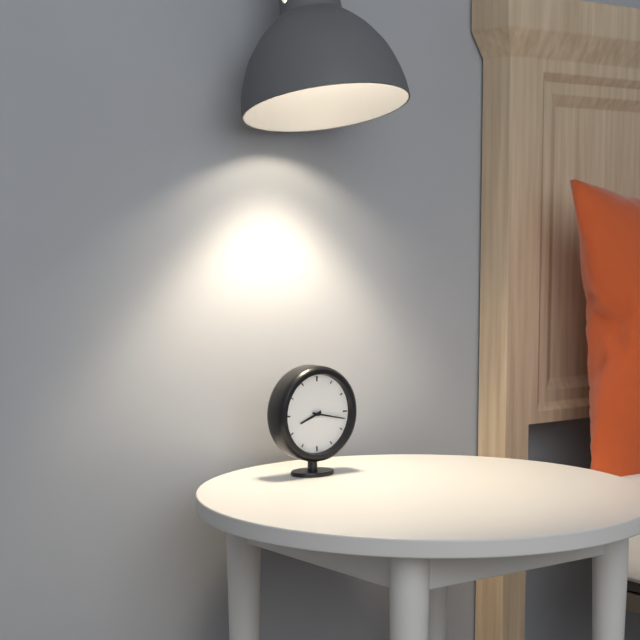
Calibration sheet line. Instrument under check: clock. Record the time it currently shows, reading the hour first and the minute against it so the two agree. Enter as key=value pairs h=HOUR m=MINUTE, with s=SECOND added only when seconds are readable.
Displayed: h=8 m=17
